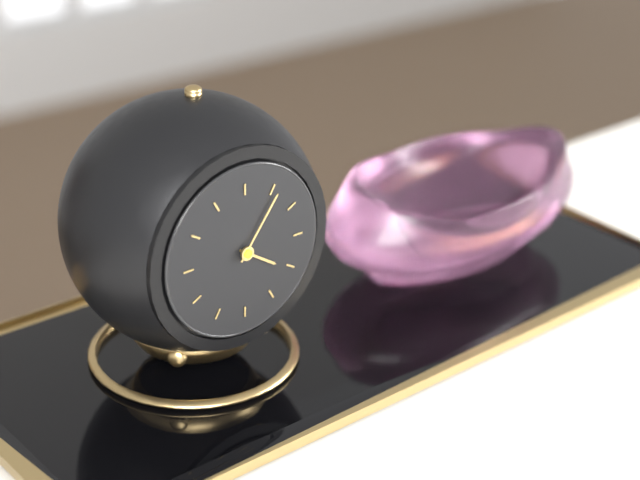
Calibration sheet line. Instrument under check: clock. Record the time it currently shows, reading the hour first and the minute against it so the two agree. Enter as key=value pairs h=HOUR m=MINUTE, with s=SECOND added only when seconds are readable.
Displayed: h=4 m=6
